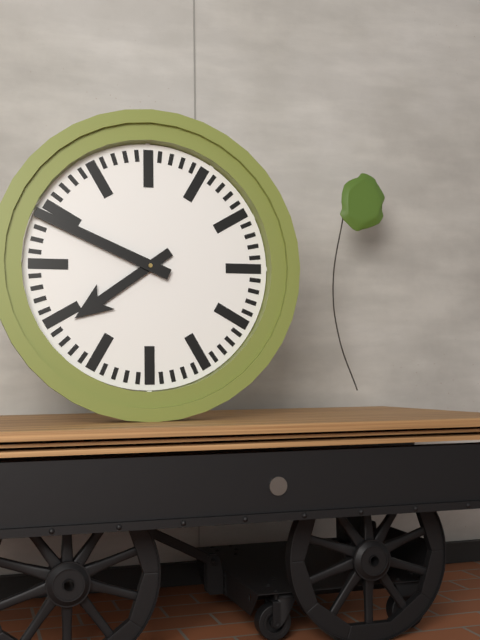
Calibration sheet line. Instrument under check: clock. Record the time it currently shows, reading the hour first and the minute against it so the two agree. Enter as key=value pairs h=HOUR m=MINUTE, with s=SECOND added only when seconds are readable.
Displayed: h=7 m=49
